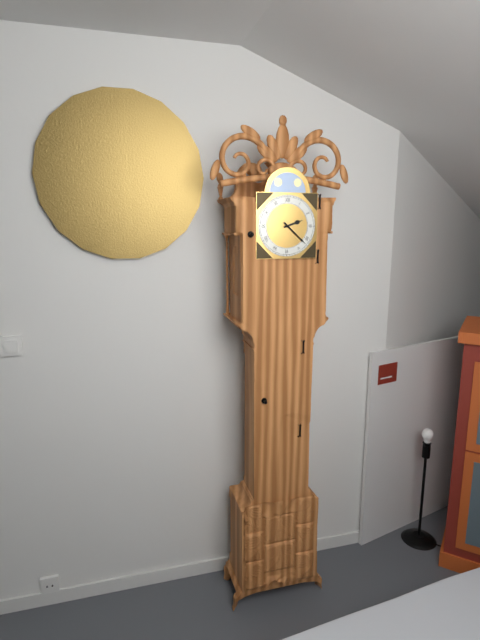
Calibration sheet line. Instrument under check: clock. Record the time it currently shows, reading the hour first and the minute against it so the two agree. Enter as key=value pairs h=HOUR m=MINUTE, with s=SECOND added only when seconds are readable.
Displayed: h=2 m=22
